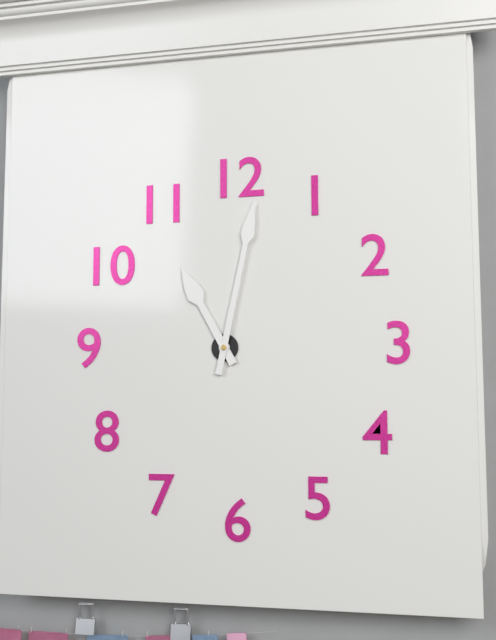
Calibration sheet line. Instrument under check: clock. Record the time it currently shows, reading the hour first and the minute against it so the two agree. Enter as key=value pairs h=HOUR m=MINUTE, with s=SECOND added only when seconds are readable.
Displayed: h=11 m=2
